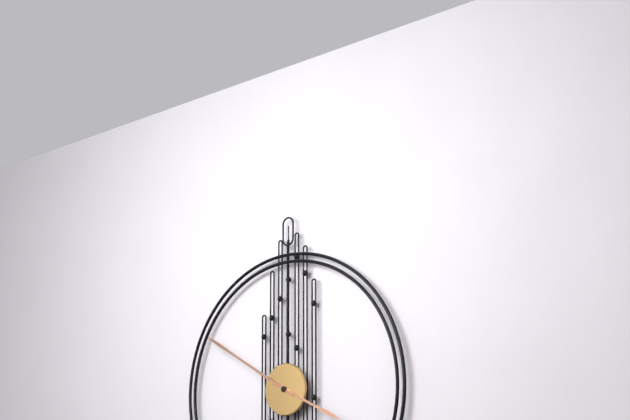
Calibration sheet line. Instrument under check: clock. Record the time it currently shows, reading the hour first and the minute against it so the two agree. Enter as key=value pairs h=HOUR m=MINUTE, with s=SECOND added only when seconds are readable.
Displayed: h=3 m=50
